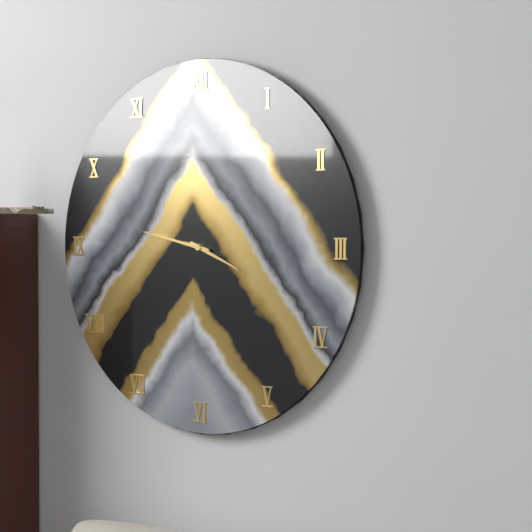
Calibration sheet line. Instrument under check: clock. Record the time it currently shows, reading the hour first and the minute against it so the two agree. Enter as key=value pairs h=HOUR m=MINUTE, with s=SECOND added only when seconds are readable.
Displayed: h=3 m=47
